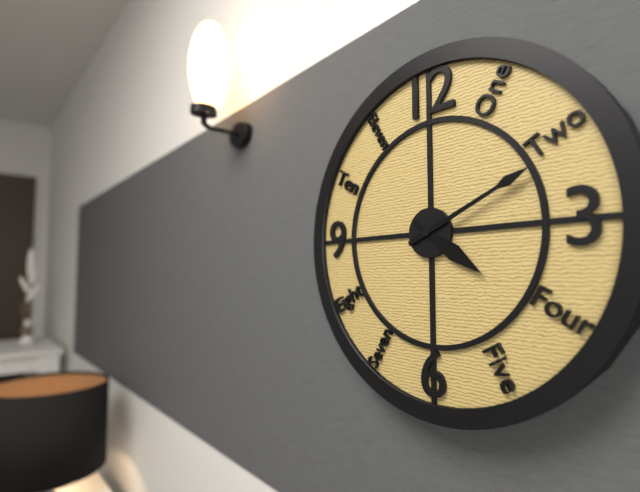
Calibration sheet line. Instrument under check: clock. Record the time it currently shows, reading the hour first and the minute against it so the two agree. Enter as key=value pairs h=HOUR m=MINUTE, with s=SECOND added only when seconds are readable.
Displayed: h=4 m=11
